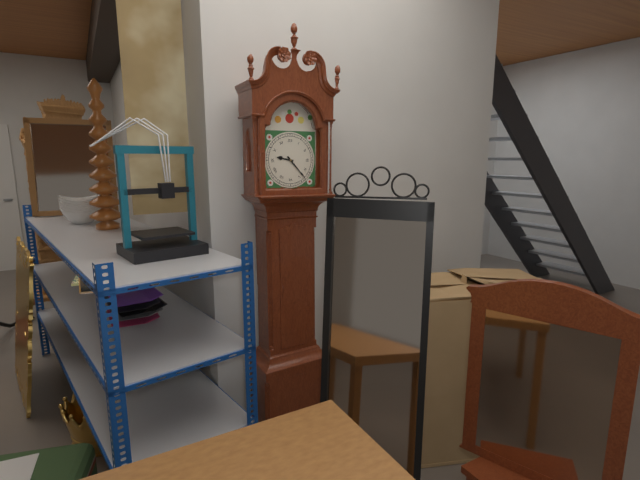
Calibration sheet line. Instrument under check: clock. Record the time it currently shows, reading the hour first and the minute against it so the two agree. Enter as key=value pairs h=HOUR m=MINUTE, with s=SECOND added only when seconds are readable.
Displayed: h=9 m=23
